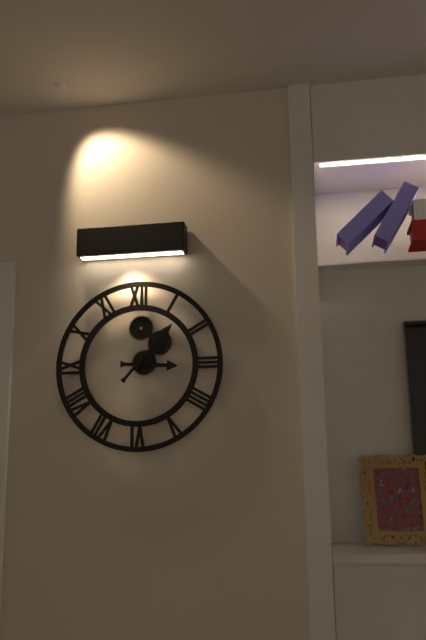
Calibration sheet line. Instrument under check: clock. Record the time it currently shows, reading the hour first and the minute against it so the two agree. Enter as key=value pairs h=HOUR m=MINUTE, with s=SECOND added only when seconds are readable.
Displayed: h=3 m=7
